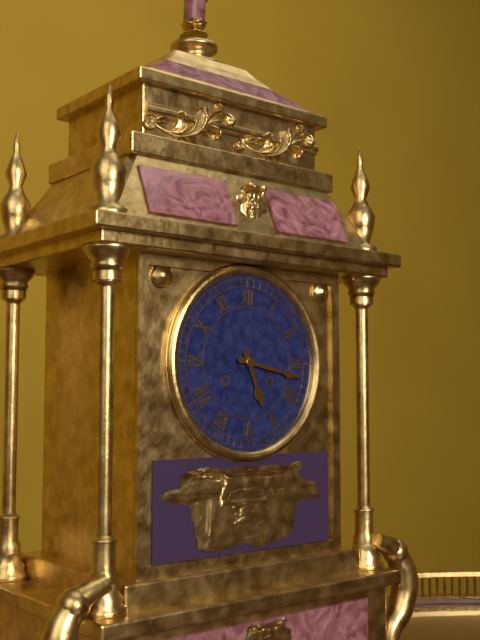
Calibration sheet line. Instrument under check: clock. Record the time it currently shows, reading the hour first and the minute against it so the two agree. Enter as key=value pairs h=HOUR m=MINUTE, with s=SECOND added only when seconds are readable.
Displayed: h=5 m=17
